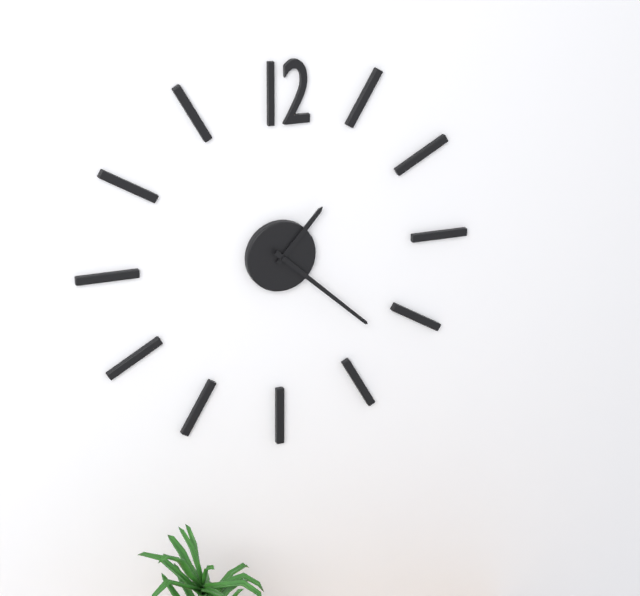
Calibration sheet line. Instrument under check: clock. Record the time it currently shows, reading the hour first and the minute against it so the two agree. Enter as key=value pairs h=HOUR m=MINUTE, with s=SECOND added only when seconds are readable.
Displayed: h=1 m=22
